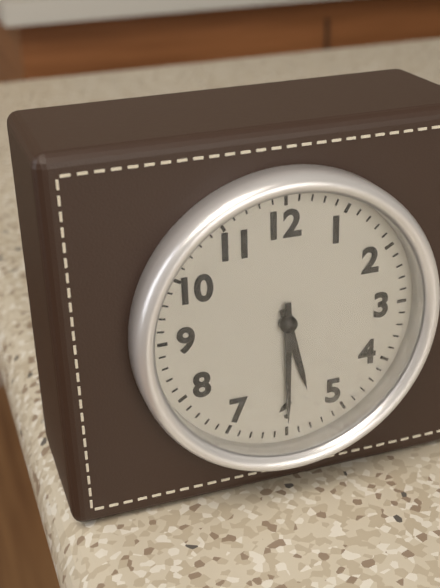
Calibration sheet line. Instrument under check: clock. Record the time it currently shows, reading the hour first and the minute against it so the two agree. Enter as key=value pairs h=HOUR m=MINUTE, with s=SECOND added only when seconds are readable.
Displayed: h=5 m=30
